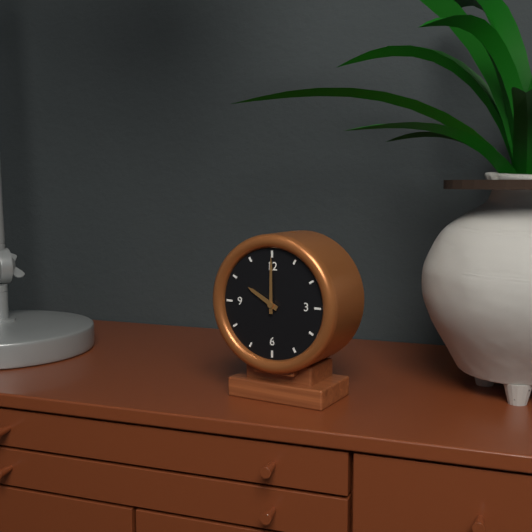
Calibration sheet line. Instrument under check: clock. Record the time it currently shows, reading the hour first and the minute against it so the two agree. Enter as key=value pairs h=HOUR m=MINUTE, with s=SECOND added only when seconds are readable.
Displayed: h=10 m=0
